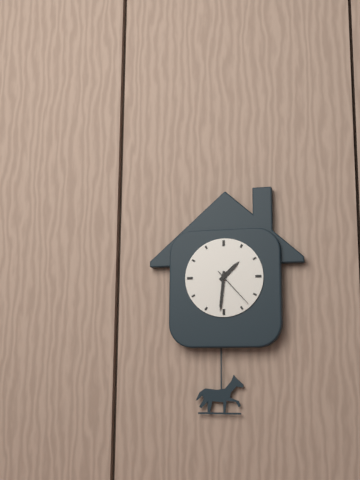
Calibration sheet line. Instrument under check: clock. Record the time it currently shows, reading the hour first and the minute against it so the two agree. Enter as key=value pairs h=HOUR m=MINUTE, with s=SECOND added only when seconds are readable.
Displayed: h=1 m=31
